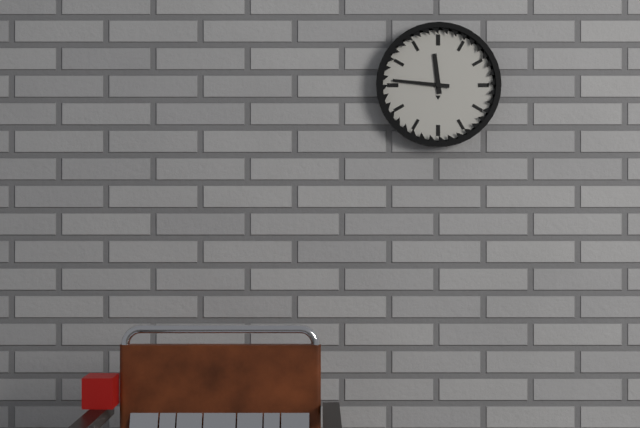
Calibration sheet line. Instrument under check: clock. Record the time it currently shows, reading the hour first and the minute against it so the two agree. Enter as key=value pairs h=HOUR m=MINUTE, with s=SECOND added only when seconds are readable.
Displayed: h=11 m=46
